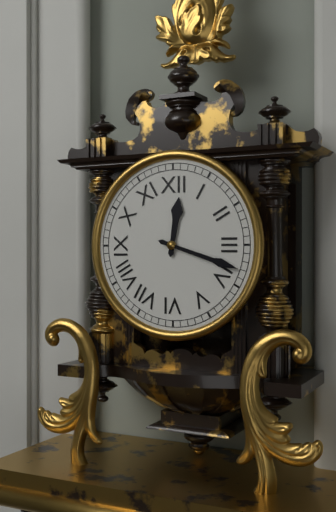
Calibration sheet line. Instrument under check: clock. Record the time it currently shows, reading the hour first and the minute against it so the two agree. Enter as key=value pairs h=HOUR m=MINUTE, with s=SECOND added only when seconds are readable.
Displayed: h=12 m=18
